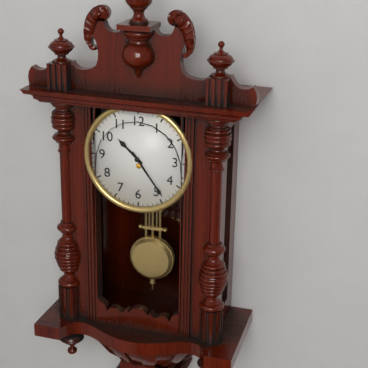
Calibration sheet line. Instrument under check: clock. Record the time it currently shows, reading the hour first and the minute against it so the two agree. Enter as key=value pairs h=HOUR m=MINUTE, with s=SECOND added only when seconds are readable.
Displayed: h=10 m=24
